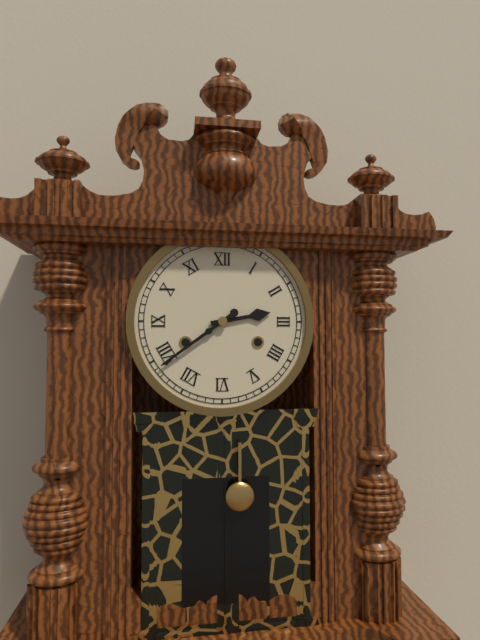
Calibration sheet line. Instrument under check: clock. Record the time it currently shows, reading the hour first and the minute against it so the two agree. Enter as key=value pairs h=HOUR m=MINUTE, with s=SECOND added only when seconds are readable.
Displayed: h=2 m=39
